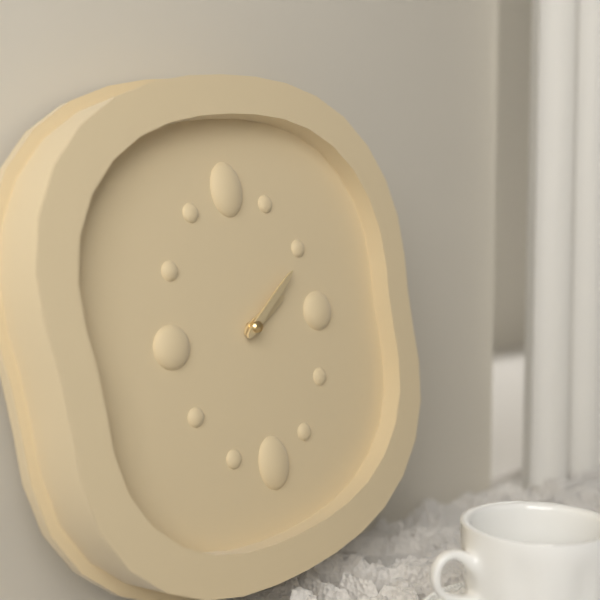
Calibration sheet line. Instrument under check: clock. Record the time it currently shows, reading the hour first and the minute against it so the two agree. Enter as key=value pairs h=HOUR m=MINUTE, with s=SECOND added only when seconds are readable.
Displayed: h=2 m=9
